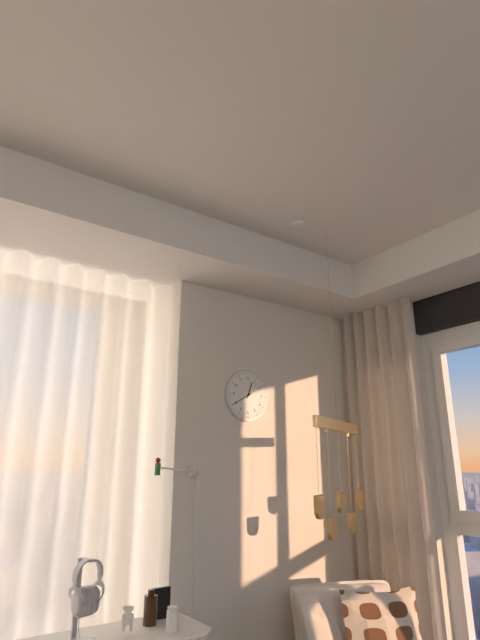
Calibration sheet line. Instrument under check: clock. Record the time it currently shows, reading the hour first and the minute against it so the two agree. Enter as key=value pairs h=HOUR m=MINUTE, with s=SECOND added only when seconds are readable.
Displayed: h=12 m=40
